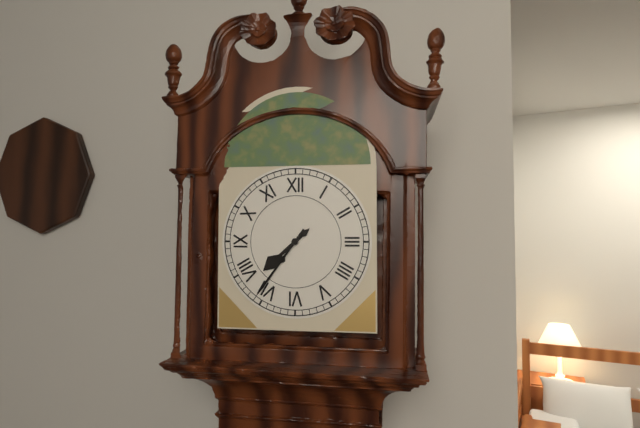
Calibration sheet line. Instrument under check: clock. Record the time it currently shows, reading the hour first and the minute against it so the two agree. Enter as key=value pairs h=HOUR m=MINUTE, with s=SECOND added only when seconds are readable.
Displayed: h=7 m=36
